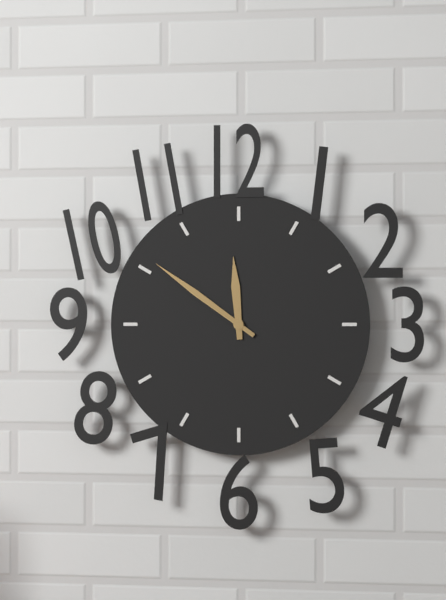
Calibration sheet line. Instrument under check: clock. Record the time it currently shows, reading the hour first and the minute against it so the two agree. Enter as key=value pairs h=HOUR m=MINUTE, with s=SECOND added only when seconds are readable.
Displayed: h=11 m=51
